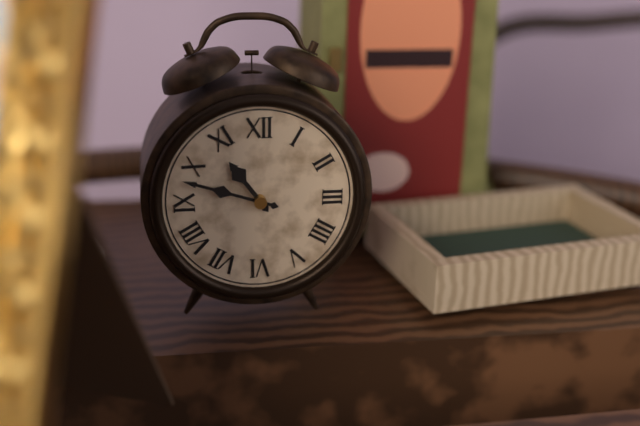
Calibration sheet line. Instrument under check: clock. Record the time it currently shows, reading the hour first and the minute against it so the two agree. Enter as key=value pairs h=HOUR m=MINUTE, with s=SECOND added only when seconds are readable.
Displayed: h=10 m=48
